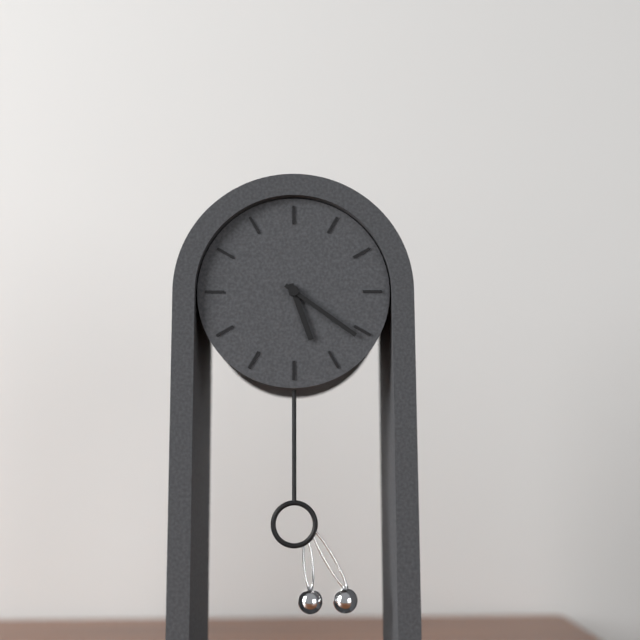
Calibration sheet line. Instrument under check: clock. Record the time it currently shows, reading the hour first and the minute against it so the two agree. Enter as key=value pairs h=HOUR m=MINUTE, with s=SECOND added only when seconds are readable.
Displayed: h=5 m=21
